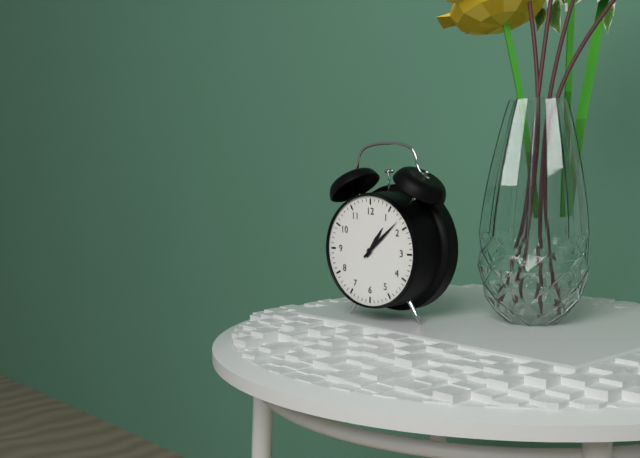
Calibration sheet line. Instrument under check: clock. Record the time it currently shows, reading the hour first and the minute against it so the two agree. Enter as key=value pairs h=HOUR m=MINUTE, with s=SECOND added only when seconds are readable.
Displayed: h=1 m=8
